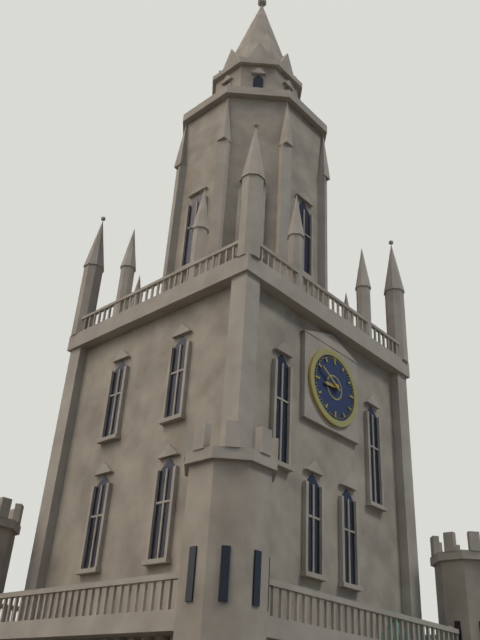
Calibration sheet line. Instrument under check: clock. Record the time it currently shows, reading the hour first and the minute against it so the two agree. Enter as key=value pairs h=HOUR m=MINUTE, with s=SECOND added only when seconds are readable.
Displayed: h=8 m=50
